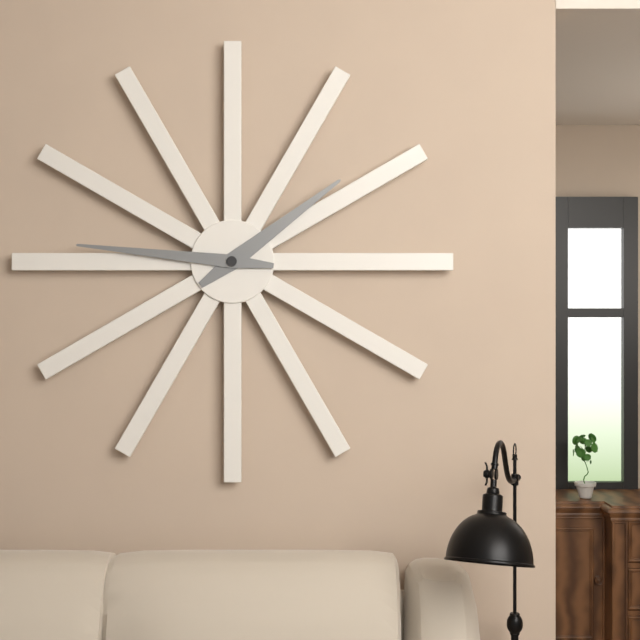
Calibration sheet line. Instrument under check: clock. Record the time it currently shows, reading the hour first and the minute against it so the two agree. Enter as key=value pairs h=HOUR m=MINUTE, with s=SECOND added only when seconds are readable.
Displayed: h=1 m=46
